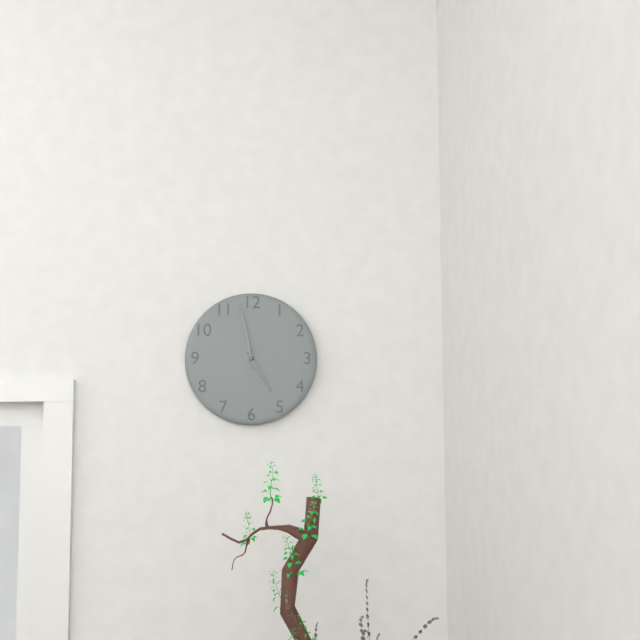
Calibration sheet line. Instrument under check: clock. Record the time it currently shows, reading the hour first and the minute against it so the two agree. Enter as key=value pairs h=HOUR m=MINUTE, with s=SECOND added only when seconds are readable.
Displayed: h=4 m=58
